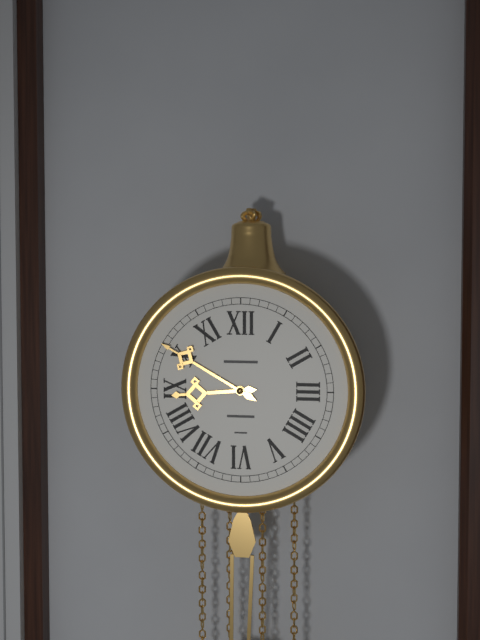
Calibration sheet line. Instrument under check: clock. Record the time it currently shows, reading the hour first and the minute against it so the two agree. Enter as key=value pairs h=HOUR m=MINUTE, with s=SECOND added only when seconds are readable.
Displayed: h=8 m=50
